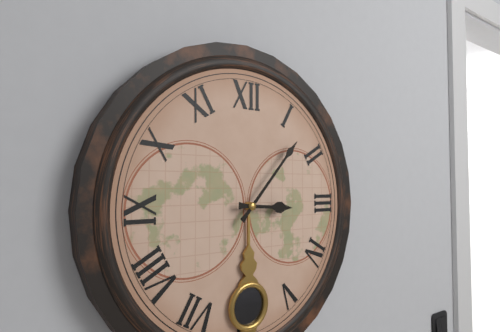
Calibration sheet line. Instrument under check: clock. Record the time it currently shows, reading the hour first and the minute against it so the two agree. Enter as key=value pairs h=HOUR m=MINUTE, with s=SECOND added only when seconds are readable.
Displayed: h=3 m=7
